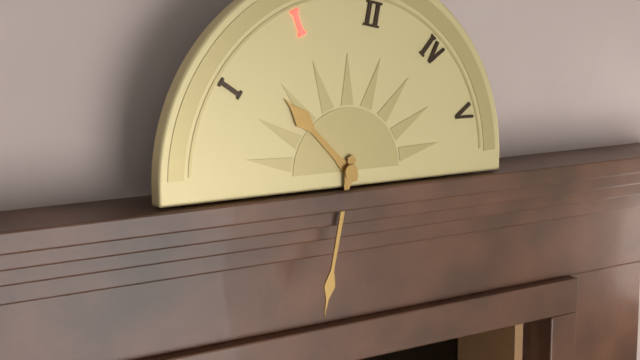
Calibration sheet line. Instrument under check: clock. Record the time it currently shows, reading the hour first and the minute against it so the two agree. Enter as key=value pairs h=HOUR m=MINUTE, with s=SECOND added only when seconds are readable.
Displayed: h=10 m=32
